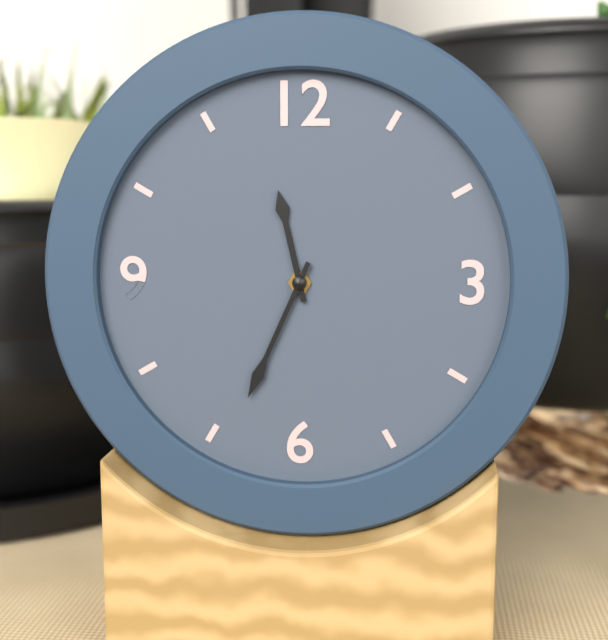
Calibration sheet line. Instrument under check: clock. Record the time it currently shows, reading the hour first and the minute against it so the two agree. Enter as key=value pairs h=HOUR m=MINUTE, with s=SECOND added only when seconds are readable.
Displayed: h=11 m=34
